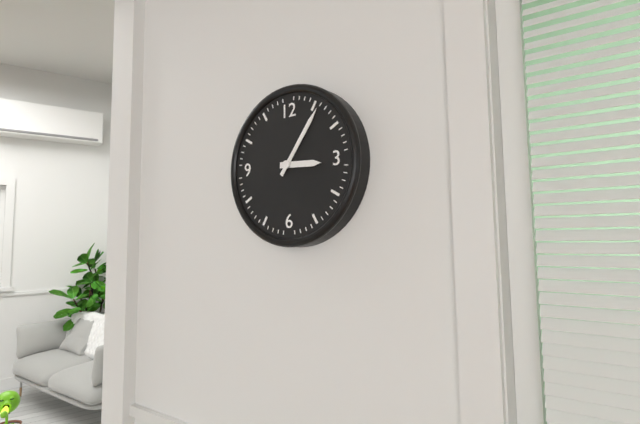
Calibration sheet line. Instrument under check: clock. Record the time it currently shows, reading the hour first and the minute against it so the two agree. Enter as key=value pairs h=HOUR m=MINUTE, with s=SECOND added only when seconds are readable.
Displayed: h=3 m=6
